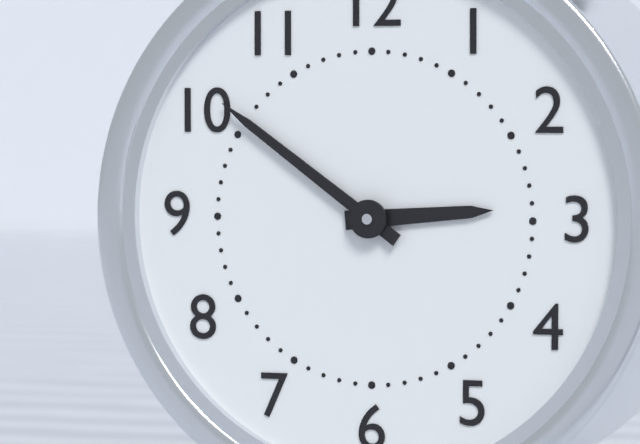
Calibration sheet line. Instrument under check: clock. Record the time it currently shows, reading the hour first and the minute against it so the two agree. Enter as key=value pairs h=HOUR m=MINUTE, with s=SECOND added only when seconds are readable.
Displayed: h=2 m=51
